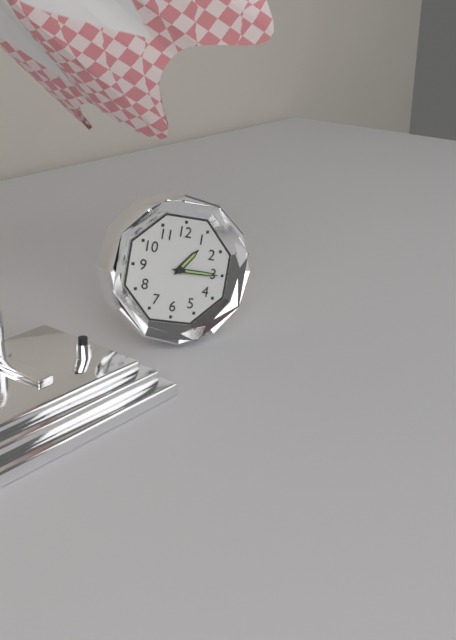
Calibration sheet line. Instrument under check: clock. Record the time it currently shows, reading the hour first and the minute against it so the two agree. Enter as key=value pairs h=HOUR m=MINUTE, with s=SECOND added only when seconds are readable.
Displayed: h=1 m=15
